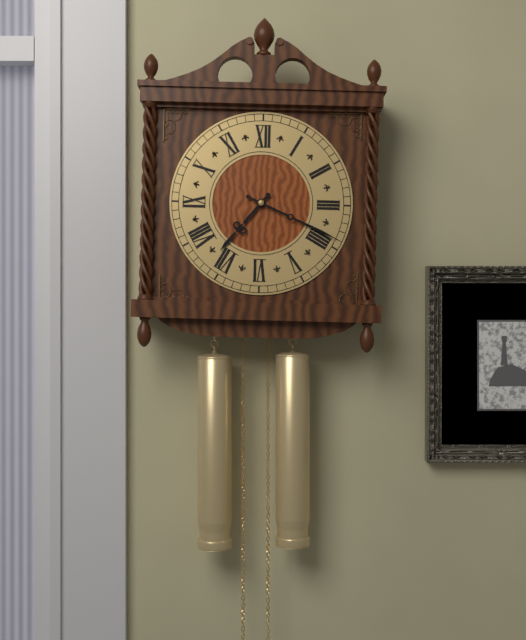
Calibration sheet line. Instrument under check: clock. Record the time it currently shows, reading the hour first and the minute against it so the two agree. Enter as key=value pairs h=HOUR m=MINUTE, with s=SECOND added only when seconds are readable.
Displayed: h=7 m=19
